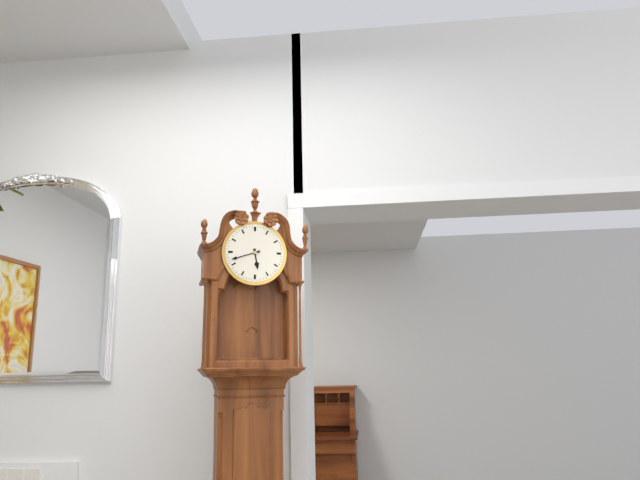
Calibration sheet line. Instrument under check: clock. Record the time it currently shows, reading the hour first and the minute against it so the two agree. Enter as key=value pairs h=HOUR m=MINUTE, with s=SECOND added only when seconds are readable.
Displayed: h=5 m=42
